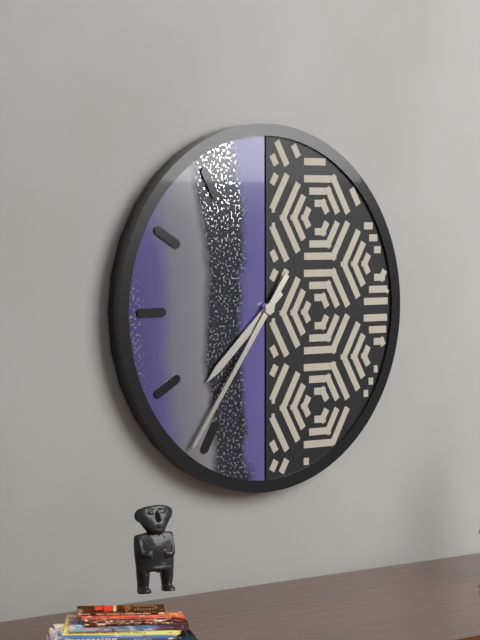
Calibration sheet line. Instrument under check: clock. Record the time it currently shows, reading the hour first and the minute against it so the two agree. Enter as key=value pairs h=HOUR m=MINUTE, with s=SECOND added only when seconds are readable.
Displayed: h=7 m=36
